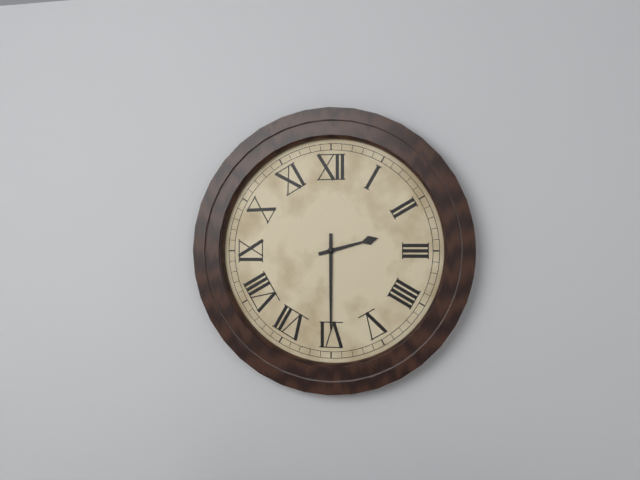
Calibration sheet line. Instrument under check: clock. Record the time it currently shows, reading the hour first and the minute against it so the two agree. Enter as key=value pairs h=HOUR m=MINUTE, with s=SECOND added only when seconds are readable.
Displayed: h=2 m=30
